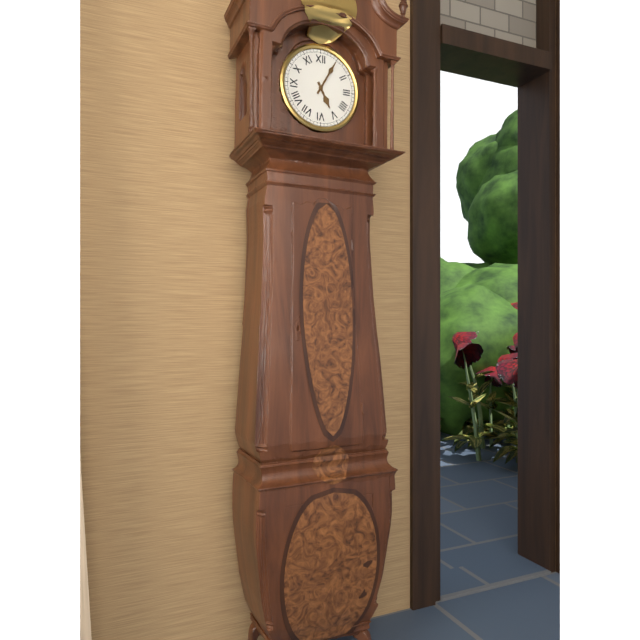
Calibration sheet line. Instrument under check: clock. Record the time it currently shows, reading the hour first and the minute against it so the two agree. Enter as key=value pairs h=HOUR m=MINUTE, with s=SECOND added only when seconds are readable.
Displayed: h=5 m=5
